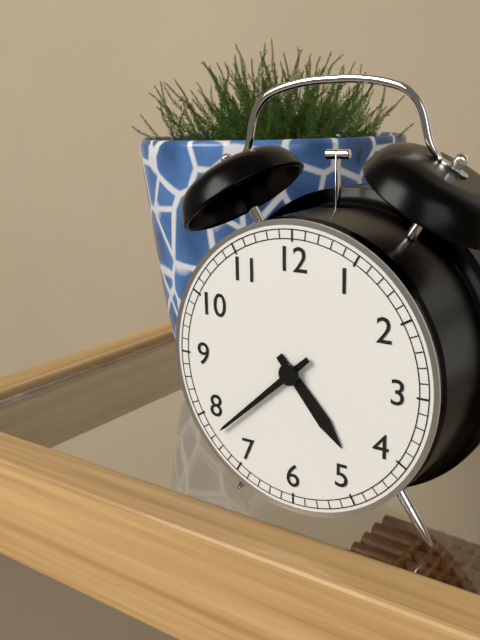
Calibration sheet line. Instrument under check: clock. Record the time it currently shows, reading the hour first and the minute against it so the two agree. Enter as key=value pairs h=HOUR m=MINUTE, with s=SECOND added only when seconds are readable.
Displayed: h=4 m=38
